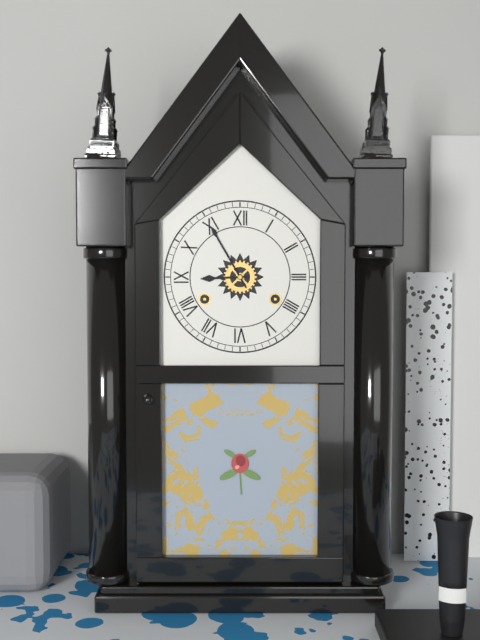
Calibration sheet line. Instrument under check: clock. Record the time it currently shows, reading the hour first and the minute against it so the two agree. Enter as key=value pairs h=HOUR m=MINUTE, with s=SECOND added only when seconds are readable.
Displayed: h=8 m=55
